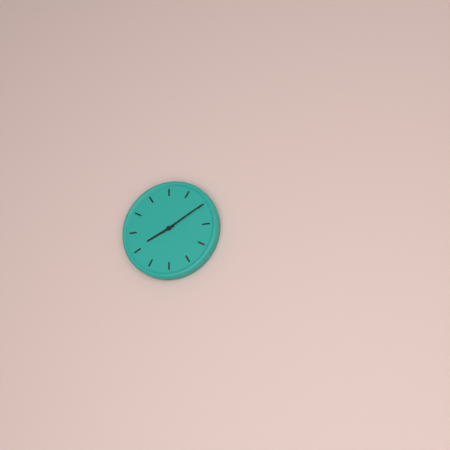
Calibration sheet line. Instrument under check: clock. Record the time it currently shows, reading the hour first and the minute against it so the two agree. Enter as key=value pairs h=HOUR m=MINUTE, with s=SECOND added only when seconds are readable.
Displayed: h=8 m=10
